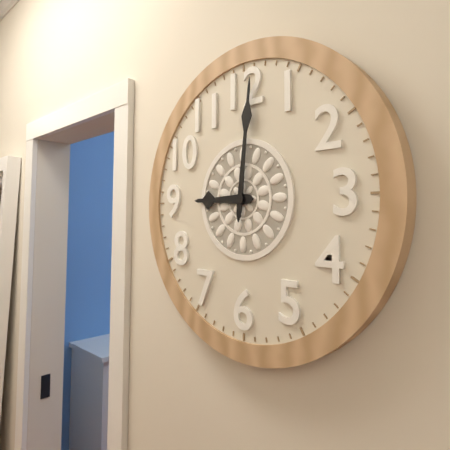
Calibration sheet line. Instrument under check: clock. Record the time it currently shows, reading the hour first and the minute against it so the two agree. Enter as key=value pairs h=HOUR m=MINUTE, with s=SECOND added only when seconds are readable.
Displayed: h=9 m=1
